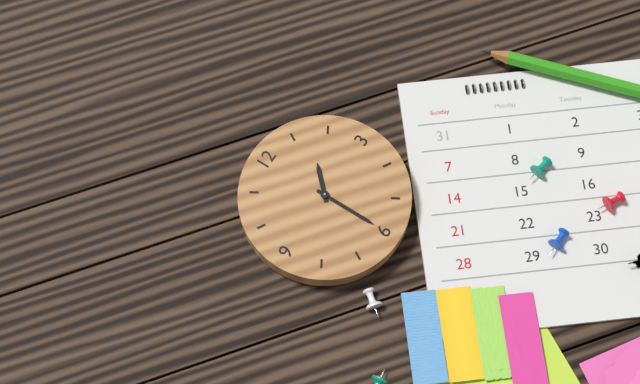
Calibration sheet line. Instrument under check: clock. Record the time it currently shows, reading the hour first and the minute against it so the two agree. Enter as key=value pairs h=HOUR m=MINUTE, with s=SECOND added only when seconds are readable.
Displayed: h=1 m=30
